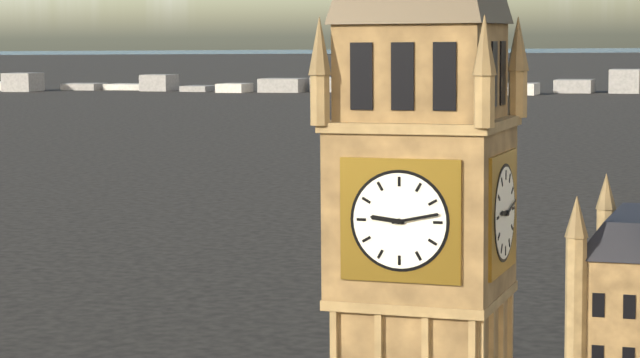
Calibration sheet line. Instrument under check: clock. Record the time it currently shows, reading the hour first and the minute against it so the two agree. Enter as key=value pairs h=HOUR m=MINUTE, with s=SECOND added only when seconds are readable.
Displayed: h=9 m=13
